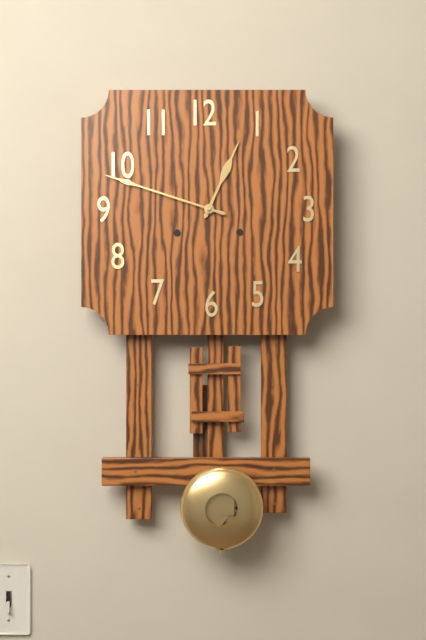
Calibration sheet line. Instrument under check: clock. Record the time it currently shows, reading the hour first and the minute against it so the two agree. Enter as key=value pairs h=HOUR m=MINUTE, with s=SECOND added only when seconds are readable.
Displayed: h=12 m=48
